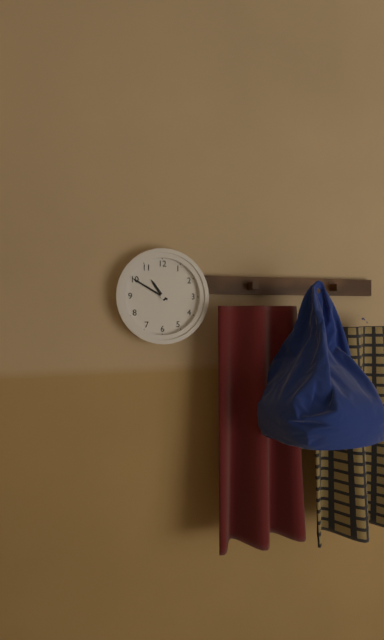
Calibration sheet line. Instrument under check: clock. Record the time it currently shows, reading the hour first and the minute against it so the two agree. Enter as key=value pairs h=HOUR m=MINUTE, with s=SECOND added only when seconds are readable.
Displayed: h=10 m=50
